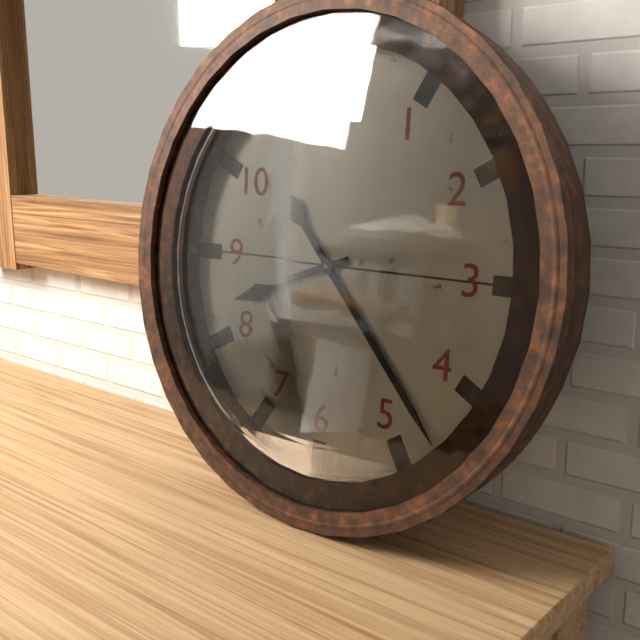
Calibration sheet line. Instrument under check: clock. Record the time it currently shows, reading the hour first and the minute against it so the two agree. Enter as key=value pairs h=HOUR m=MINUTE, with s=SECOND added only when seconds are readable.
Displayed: h=8 m=23
